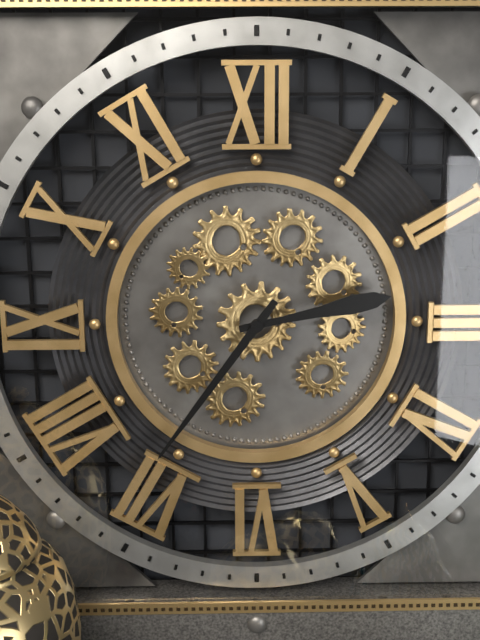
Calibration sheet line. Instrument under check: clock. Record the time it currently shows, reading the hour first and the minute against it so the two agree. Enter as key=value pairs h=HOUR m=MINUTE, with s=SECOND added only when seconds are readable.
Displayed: h=2 m=36
